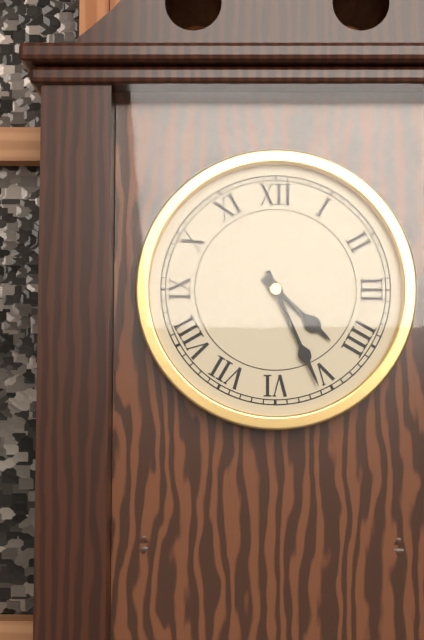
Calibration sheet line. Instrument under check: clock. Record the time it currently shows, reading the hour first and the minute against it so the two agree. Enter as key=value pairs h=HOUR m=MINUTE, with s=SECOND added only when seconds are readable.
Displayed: h=4 m=26
